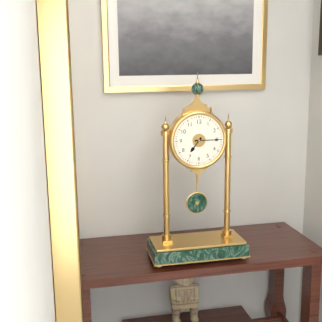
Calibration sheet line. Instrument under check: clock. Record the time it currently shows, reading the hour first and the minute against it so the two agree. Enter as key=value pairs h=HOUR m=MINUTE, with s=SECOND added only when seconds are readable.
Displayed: h=7 m=15
